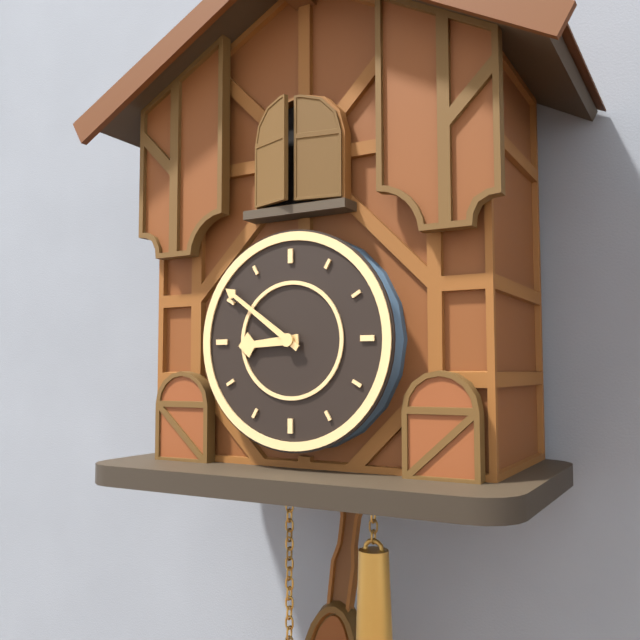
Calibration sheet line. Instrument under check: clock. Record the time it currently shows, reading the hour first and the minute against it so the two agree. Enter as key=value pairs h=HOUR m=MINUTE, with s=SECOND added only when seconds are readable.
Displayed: h=8 m=51
